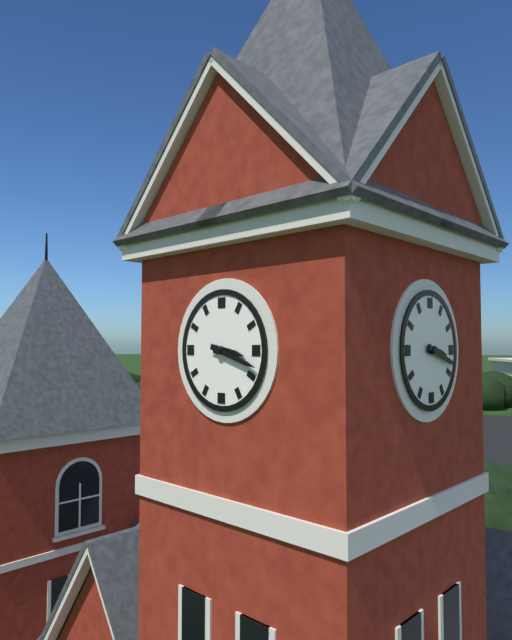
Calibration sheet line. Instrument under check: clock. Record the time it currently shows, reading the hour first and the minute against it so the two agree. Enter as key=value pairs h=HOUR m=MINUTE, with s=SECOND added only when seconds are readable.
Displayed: h=3 m=18
